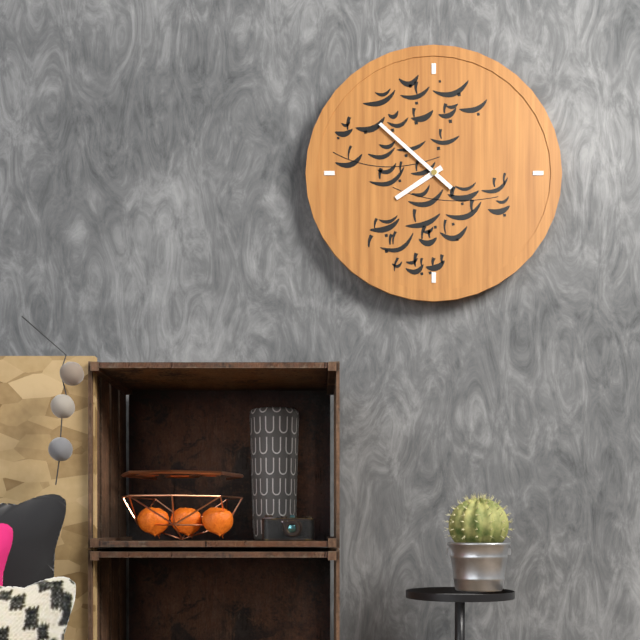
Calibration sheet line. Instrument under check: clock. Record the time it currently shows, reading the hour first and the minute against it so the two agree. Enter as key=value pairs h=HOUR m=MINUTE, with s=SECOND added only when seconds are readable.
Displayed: h=7 m=52
